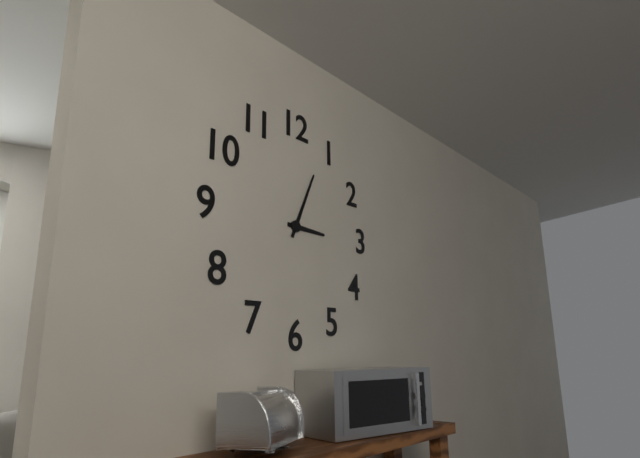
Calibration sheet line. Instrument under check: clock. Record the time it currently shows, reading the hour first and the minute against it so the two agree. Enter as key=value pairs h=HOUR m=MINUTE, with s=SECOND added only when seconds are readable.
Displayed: h=3 m=4
